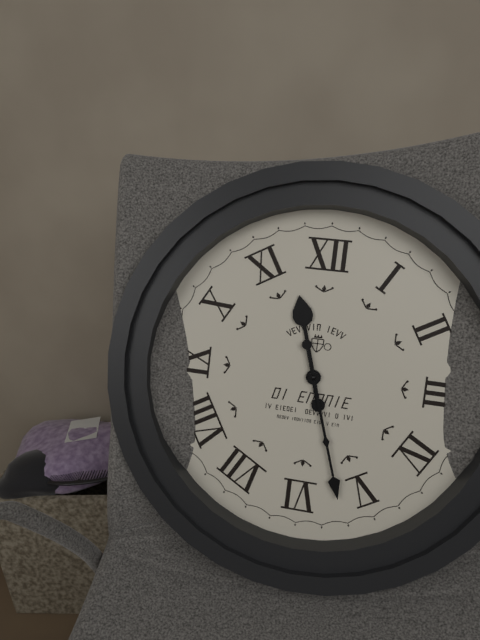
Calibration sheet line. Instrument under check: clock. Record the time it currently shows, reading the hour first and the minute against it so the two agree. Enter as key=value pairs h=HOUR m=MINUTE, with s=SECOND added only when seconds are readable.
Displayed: h=11 m=27
